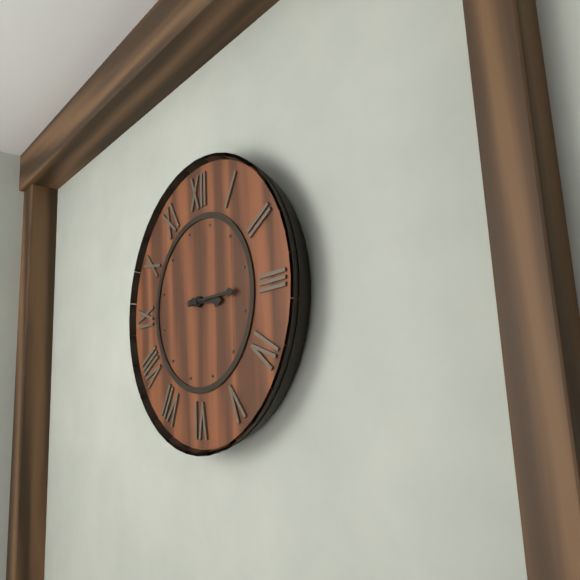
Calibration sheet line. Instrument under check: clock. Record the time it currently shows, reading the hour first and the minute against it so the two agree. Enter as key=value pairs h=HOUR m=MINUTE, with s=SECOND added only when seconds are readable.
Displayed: h=3 m=15
